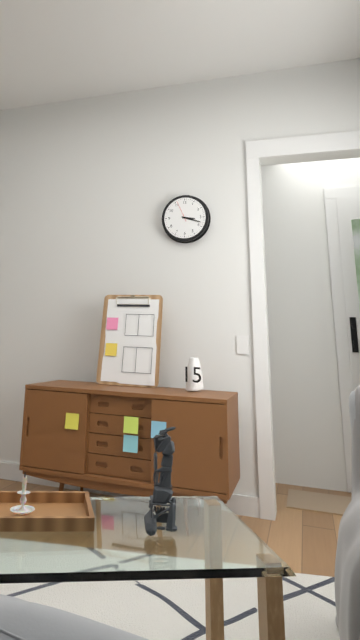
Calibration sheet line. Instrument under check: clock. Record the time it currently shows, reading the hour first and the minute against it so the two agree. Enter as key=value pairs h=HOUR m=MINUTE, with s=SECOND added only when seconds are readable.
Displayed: h=3 m=18
